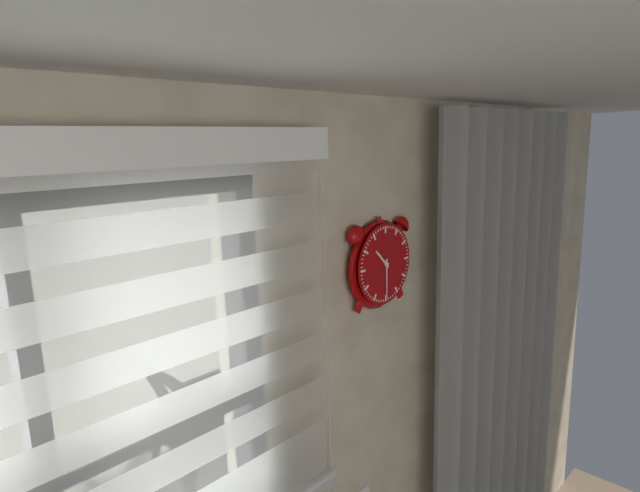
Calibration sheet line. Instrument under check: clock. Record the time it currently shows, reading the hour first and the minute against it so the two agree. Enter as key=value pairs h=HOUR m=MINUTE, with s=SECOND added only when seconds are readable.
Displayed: h=10 m=30
